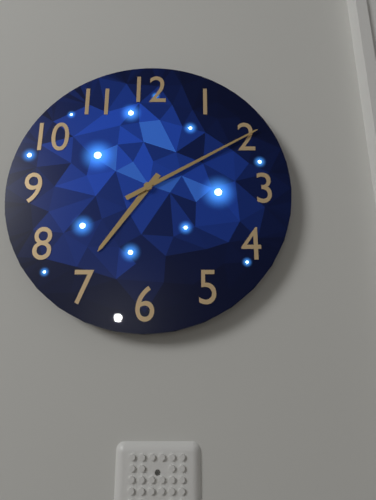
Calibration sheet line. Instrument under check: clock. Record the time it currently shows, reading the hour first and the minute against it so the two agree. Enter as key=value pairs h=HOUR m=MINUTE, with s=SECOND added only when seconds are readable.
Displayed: h=7 m=10
